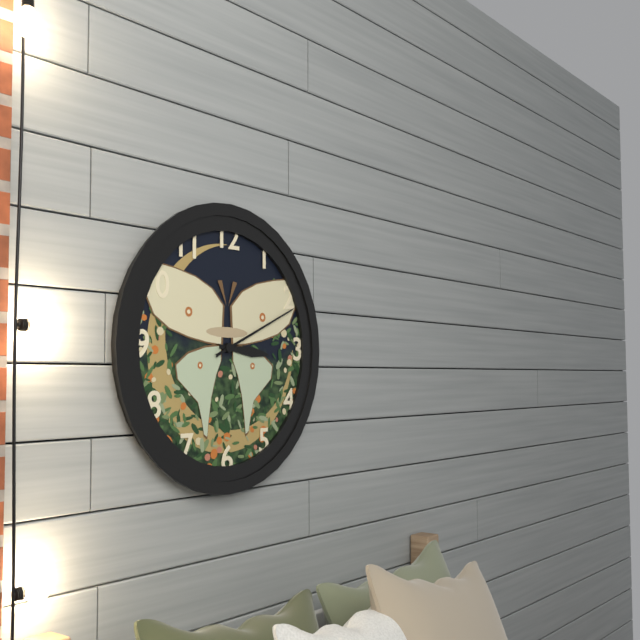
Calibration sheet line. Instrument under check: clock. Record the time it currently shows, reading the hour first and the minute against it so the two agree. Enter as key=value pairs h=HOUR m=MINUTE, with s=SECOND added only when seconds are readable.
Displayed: h=3 m=11
